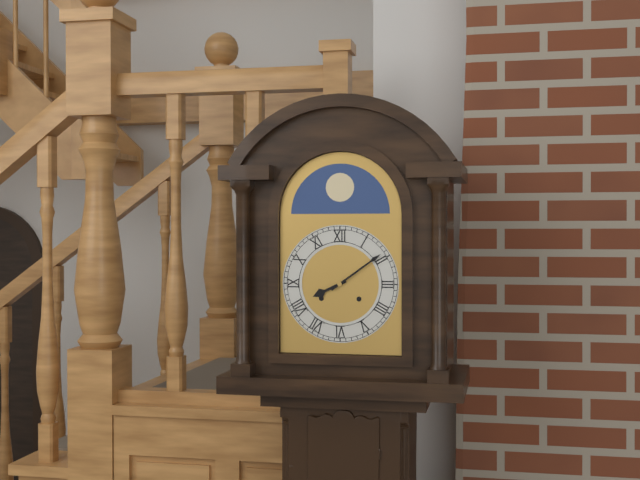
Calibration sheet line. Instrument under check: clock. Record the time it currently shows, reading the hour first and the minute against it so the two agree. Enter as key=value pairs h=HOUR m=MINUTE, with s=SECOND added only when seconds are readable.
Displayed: h=8 m=9
